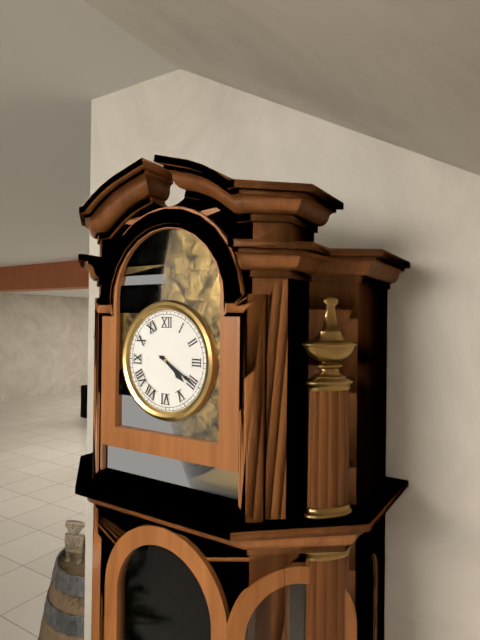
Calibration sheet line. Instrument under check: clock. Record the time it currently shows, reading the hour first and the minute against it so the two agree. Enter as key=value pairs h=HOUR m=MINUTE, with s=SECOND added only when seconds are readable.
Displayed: h=4 m=20
